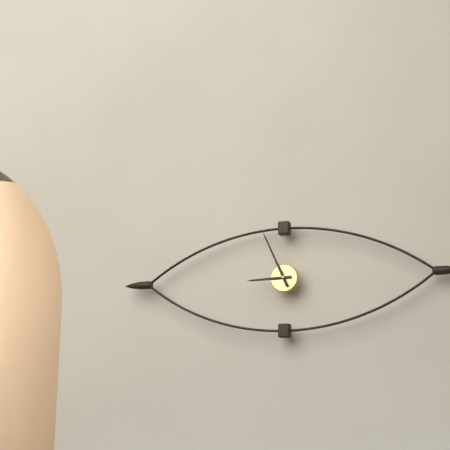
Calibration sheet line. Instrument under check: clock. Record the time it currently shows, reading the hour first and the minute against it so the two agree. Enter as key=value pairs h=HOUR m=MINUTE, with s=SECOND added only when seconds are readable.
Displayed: h=8 m=56
